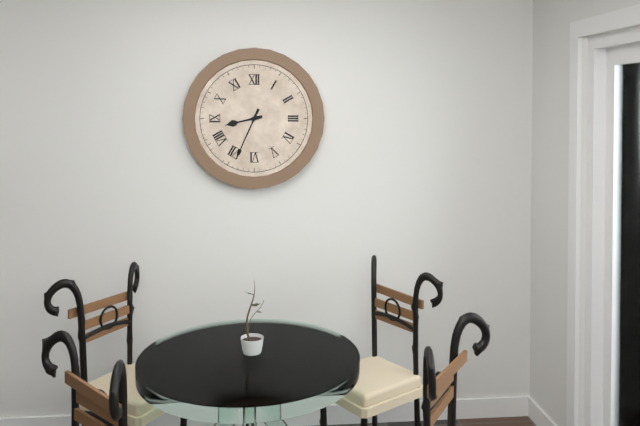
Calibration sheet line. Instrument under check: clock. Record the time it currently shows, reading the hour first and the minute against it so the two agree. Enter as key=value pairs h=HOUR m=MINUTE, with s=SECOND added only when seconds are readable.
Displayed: h=8 m=34
